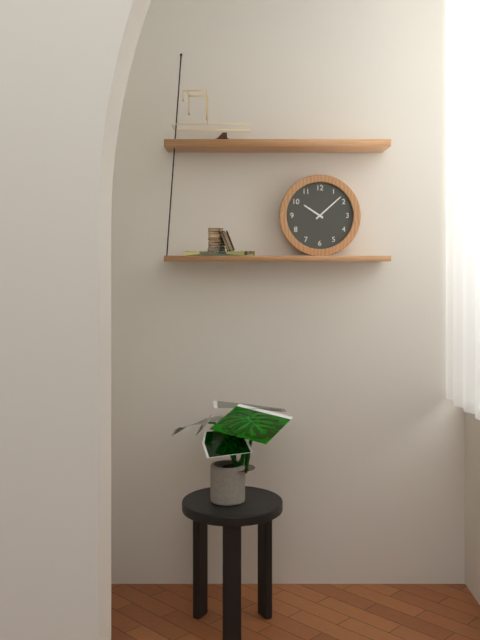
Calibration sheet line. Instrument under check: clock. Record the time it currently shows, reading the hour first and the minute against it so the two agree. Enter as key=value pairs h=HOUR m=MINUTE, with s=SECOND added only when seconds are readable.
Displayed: h=10 m=8
